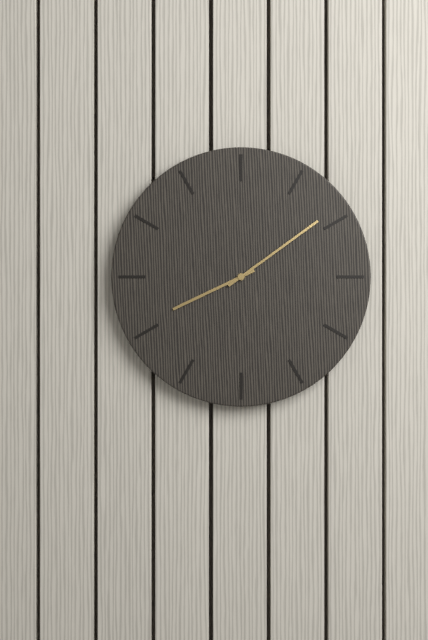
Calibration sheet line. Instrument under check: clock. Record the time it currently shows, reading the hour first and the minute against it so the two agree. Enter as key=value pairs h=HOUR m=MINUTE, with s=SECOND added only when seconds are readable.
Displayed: h=8 m=9
